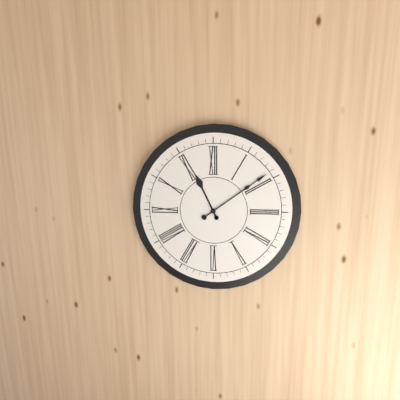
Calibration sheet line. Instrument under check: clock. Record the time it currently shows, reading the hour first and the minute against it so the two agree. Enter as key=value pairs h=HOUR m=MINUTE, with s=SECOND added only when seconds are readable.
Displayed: h=11 m=9
